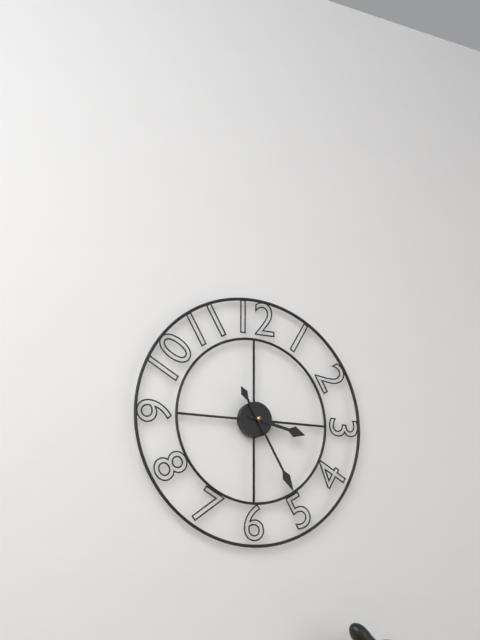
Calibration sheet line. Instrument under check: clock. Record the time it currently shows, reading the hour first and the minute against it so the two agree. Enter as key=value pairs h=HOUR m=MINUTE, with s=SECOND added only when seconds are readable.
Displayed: h=3 m=25
